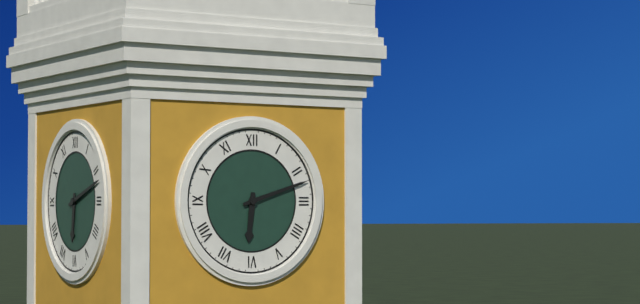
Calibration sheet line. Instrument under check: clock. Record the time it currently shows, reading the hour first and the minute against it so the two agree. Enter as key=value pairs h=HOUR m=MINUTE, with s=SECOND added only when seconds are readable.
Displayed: h=6 m=12
